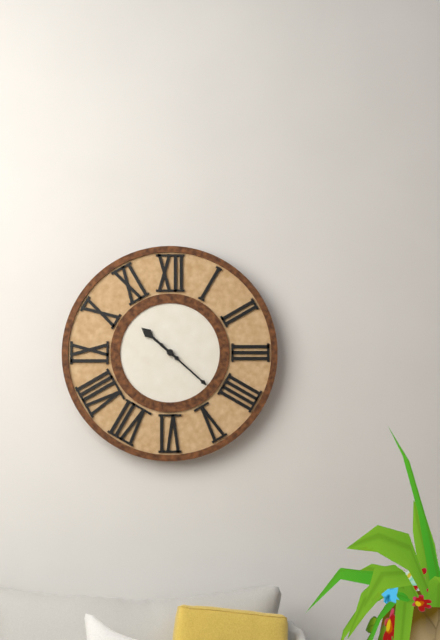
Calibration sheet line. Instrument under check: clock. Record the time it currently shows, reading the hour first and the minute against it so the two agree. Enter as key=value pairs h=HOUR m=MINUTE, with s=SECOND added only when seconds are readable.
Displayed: h=10 m=22
